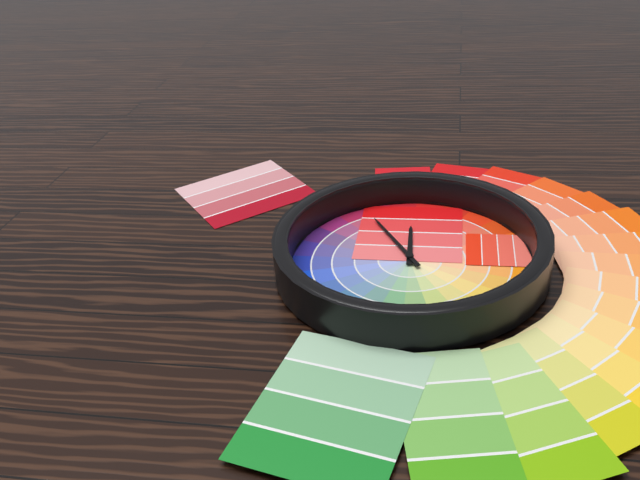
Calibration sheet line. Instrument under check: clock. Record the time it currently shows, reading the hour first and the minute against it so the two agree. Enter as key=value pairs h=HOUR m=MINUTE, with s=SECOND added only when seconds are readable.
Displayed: h=11 m=55
